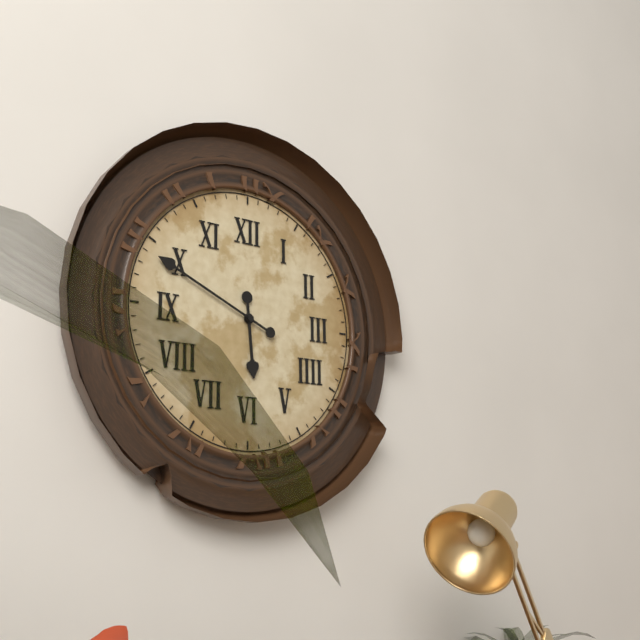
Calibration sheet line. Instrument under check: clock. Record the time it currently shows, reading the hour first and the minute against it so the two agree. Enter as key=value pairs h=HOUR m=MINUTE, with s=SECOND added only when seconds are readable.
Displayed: h=5 m=49
